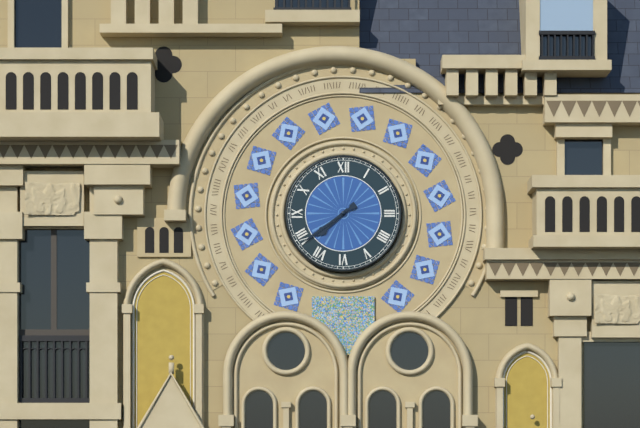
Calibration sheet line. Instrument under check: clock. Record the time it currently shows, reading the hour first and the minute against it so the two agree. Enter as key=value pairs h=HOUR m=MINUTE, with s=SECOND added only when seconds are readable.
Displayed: h=7 m=39
